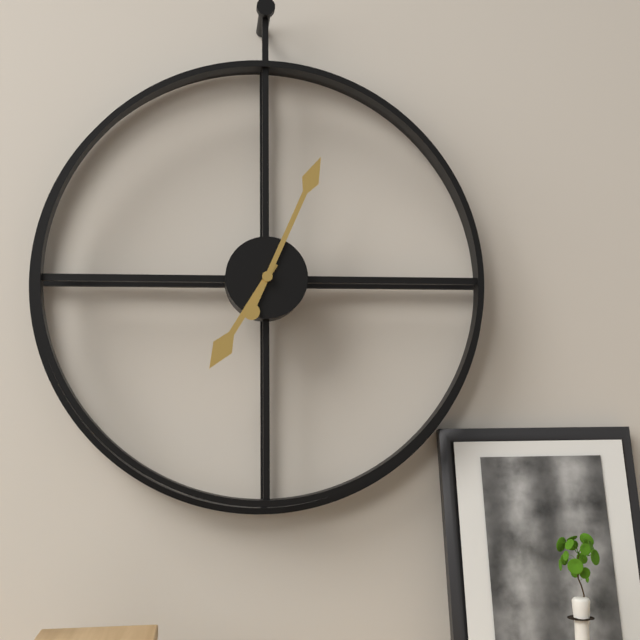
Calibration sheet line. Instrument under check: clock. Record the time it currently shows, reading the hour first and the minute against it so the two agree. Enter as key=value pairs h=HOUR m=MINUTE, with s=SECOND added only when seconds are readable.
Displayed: h=7 m=4
